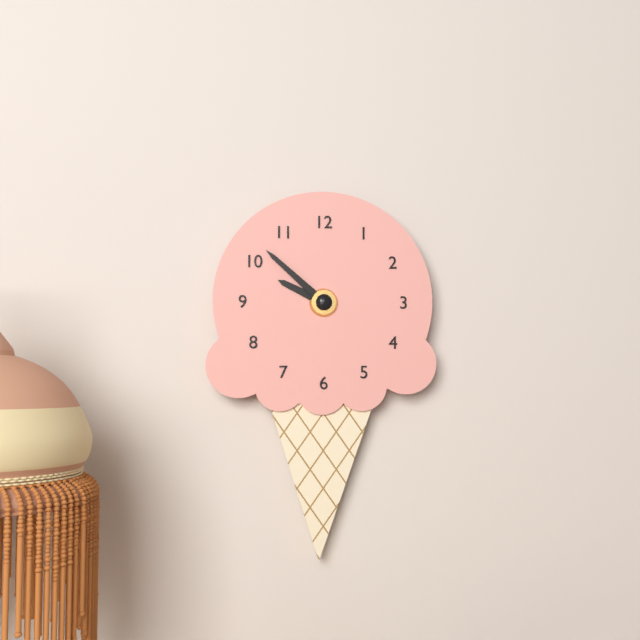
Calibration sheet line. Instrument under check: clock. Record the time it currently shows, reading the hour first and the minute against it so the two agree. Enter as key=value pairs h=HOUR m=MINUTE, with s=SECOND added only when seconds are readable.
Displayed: h=9 m=52
